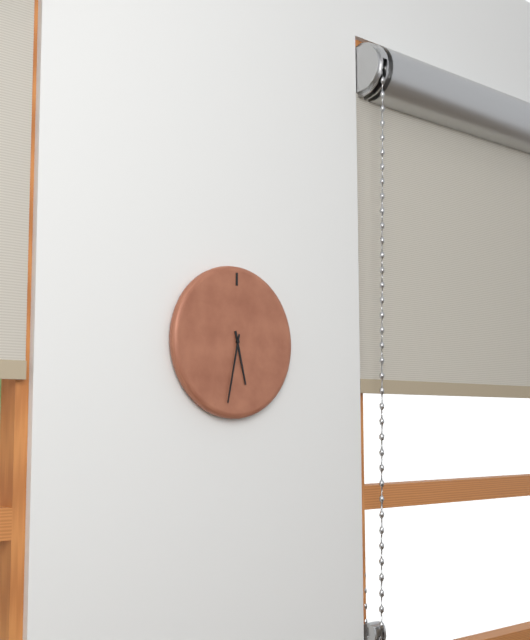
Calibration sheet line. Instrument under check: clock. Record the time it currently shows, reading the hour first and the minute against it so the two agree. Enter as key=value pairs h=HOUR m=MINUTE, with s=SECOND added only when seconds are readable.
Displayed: h=5 m=32
